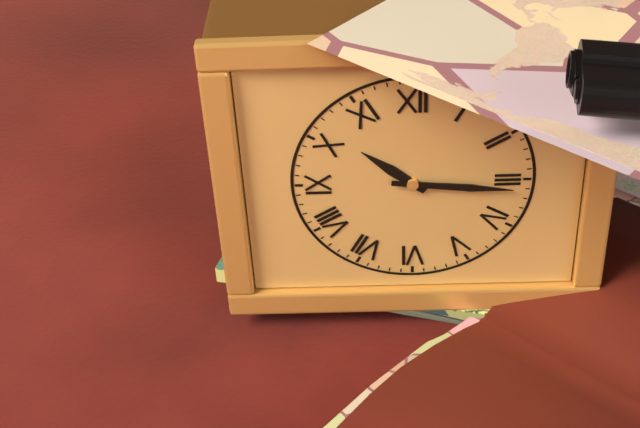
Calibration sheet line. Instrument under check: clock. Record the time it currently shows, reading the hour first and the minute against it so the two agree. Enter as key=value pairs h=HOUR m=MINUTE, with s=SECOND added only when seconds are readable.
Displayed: h=10 m=16
